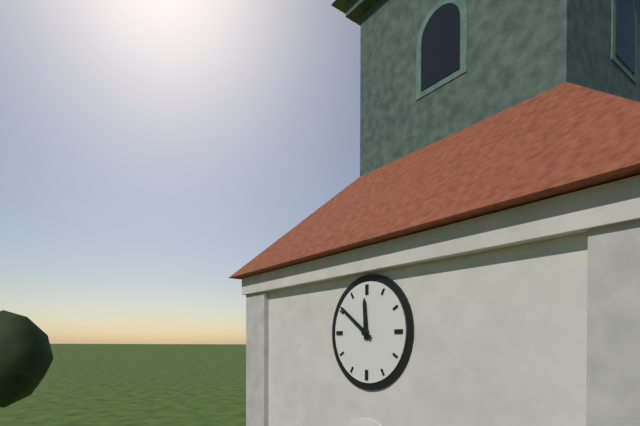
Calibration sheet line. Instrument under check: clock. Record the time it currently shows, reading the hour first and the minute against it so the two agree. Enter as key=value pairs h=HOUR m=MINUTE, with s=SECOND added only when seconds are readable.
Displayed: h=11 m=51
